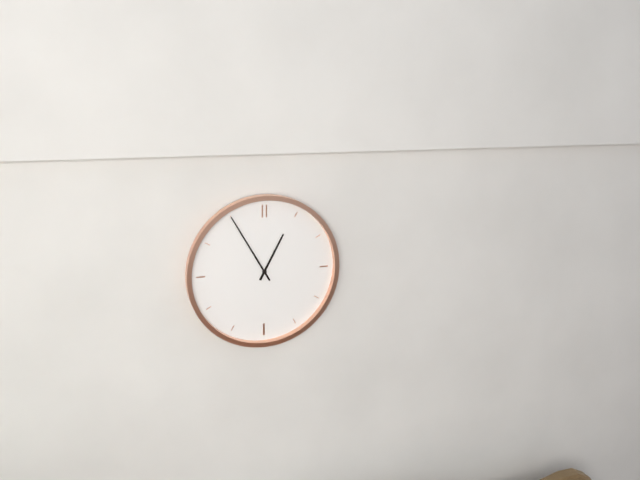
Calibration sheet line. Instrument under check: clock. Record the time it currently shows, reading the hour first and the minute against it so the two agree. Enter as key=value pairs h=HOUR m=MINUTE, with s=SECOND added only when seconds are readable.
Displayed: h=12 m=55
